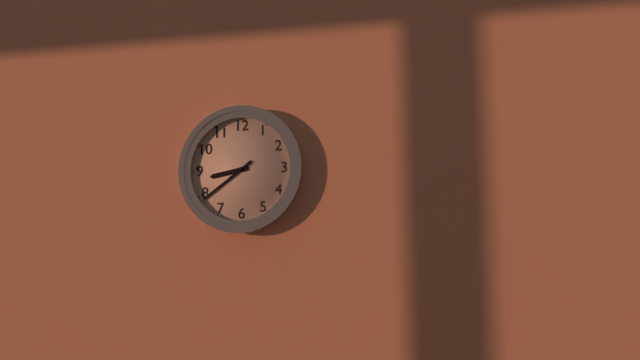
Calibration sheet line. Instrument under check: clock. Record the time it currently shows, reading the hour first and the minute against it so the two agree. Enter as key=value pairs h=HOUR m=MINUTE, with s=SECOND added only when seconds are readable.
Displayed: h=8 m=39
